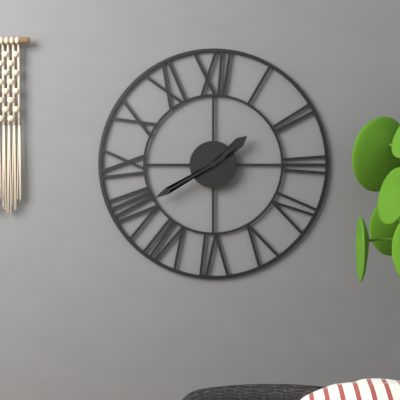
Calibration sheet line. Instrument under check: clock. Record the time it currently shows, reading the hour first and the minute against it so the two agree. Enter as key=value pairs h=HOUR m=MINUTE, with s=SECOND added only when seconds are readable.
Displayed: h=1 m=40
